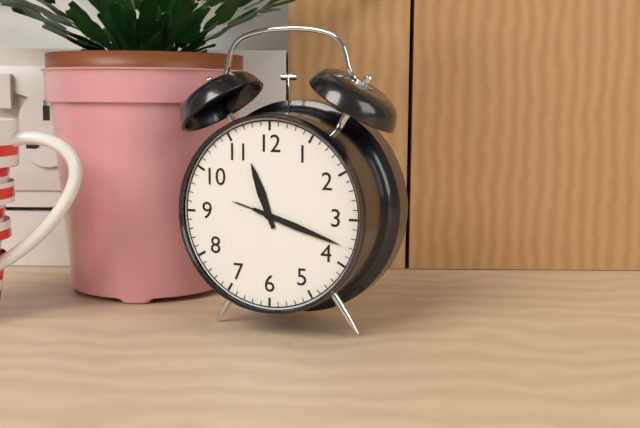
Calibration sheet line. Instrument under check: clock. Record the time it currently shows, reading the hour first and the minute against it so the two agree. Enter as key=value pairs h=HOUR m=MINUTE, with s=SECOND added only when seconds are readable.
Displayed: h=11 m=18
